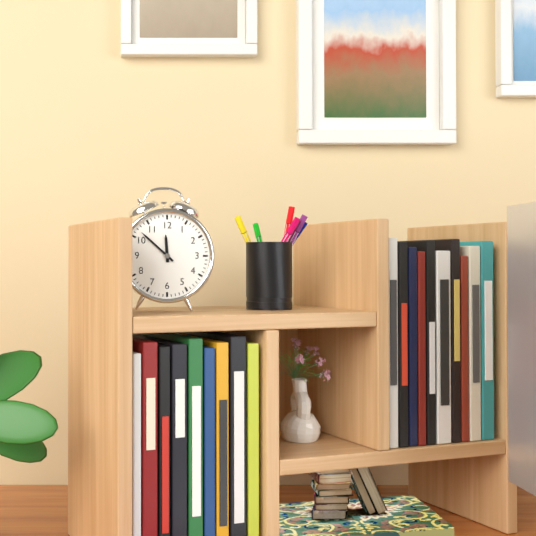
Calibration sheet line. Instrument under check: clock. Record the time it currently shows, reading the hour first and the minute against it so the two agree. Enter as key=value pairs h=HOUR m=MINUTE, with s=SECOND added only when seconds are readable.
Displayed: h=11 m=52
